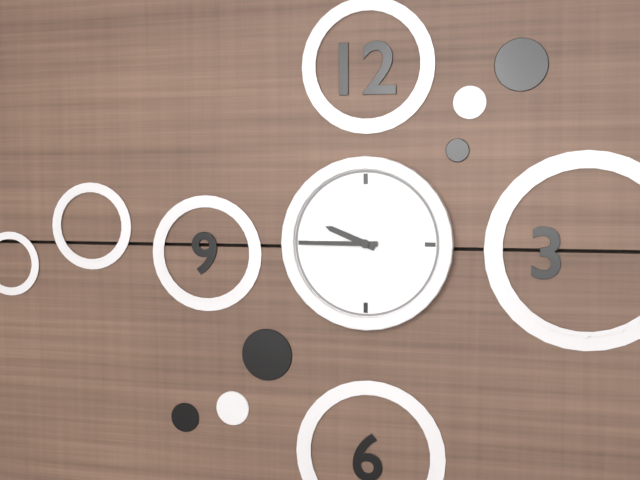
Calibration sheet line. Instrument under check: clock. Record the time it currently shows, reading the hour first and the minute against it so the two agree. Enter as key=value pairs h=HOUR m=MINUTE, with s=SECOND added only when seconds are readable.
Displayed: h=9 m=45
